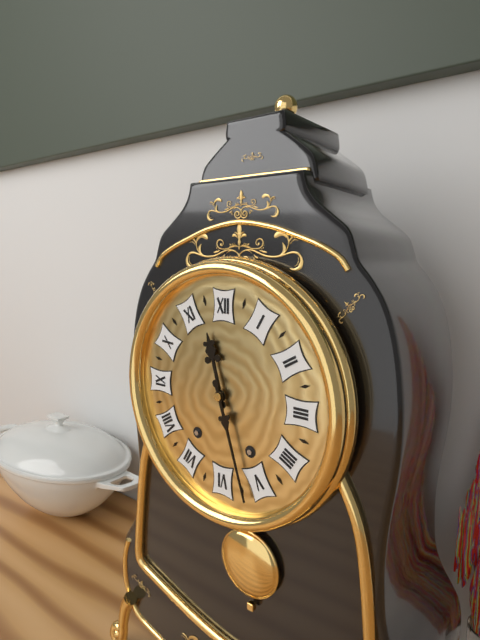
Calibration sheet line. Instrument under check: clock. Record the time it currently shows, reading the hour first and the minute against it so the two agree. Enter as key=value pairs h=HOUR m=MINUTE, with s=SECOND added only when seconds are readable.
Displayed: h=11 m=27
